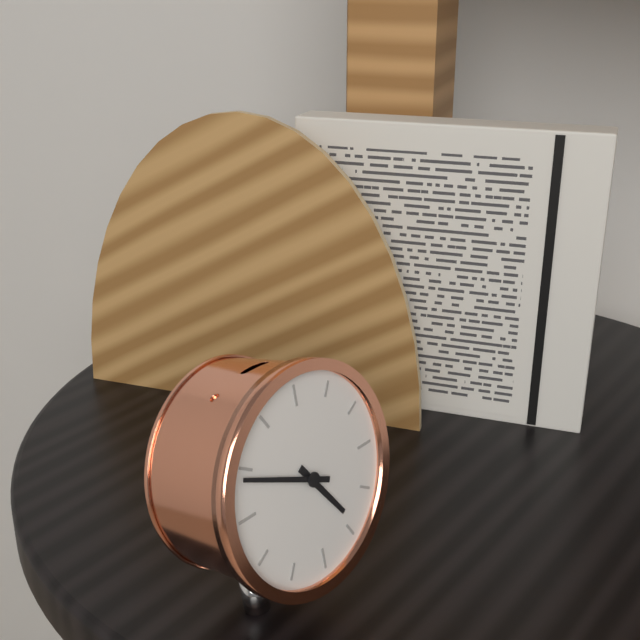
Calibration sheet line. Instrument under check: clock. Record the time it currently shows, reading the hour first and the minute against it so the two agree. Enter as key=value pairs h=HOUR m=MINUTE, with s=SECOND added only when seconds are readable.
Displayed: h=4 m=49
